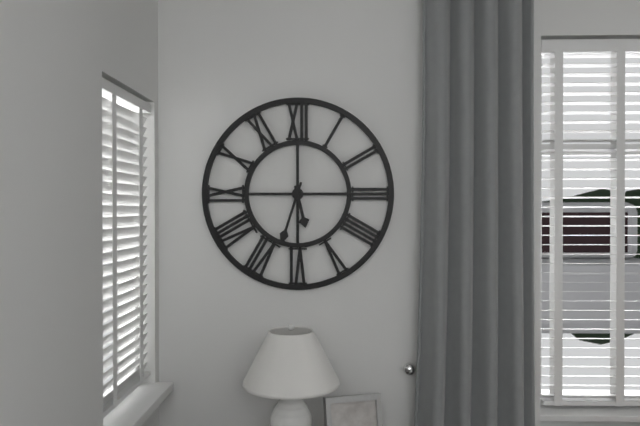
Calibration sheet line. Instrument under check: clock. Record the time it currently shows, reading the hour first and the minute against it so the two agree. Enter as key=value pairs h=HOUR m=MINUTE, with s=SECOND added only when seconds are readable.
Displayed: h=5 m=33
